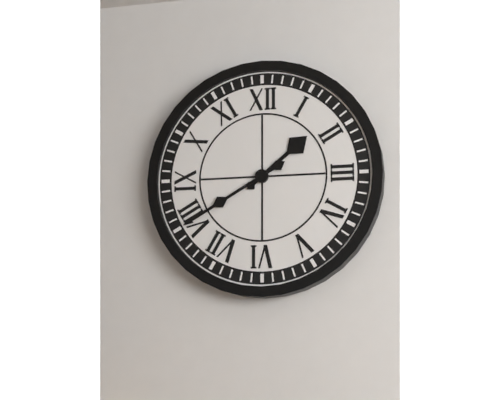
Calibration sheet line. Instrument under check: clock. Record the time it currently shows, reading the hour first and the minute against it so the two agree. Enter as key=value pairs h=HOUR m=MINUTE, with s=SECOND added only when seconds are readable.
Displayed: h=1 m=40
